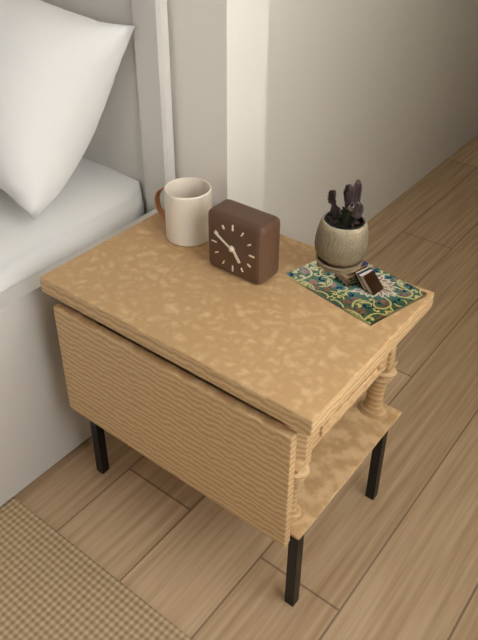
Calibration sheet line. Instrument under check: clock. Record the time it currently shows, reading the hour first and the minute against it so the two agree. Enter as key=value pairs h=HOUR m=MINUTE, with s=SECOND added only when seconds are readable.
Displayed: h=4 m=50
